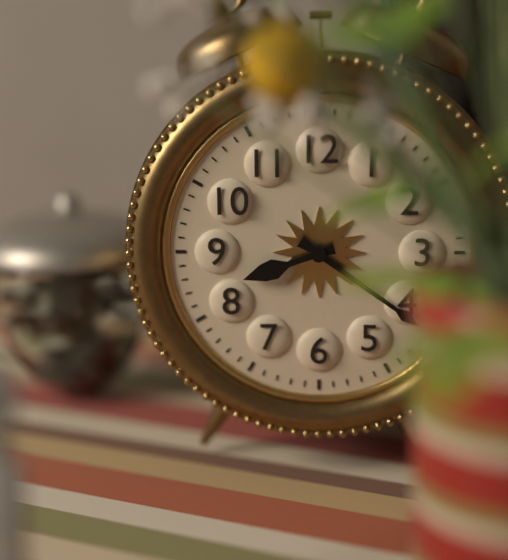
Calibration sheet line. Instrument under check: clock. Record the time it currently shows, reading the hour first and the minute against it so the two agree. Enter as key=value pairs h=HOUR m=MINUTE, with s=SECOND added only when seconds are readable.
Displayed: h=8 m=21
